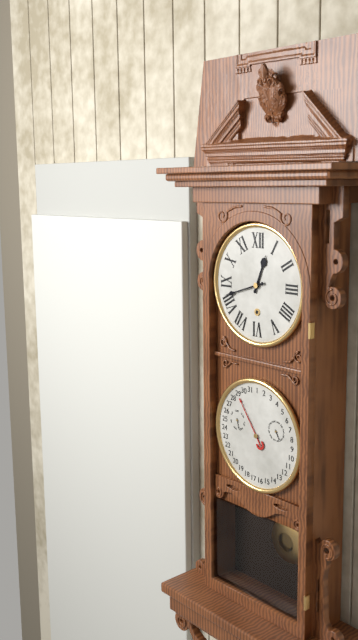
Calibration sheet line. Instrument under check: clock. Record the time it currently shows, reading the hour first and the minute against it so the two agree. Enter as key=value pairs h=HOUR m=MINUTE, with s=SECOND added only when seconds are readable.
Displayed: h=12 m=42
